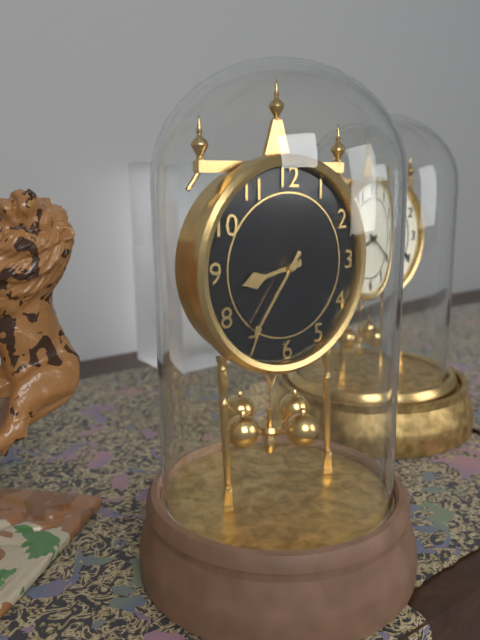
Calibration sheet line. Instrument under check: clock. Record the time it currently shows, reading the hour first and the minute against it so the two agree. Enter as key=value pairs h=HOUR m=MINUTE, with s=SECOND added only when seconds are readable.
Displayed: h=8 m=36
